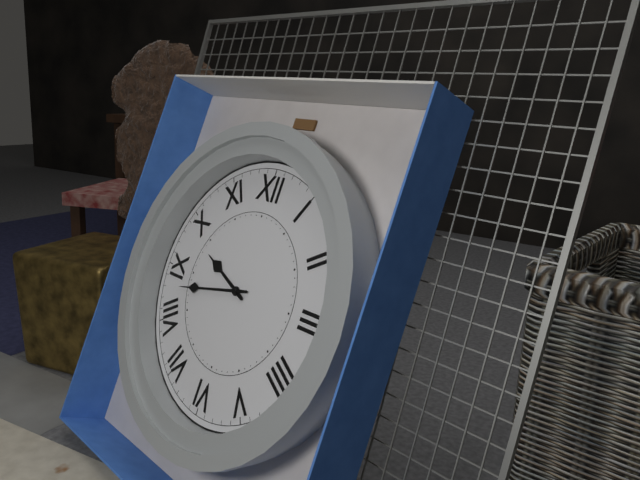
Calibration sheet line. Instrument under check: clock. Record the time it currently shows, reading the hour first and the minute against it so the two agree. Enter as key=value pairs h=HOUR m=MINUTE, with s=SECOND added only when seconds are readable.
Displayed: h=9 m=43
